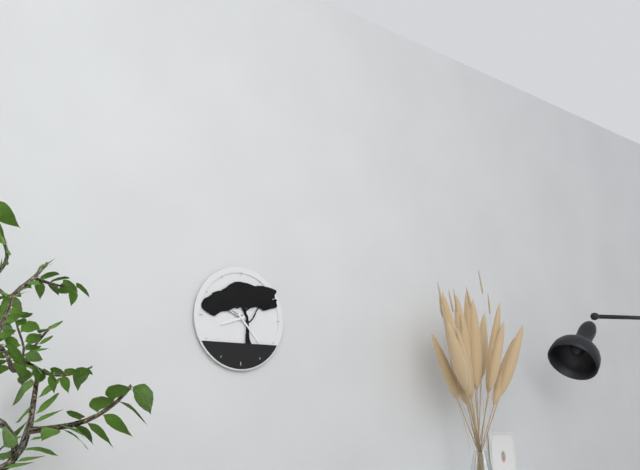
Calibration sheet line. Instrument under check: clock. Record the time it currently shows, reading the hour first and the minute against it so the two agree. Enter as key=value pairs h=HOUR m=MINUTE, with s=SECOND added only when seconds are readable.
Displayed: h=8 m=23
